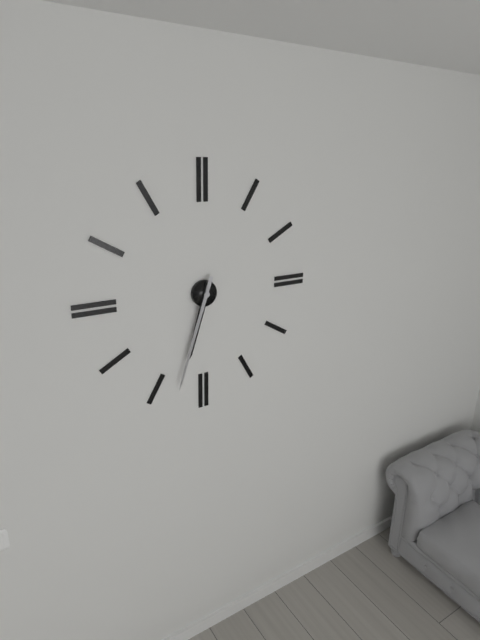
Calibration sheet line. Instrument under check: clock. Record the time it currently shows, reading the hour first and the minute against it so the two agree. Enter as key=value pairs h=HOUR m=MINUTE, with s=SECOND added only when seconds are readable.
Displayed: h=6 m=33
